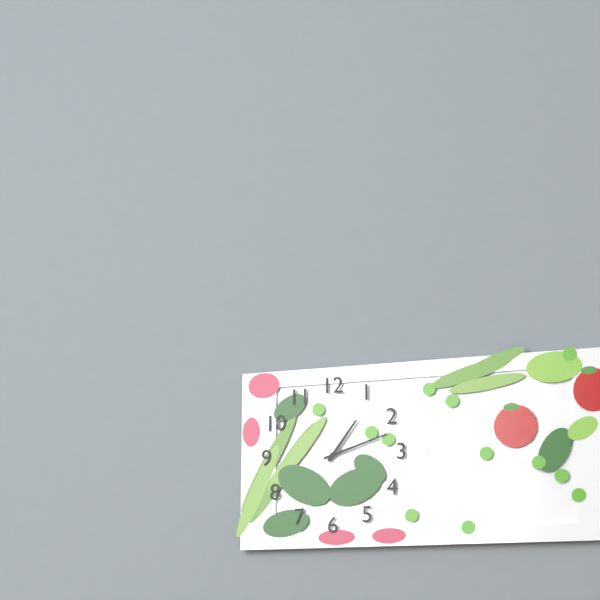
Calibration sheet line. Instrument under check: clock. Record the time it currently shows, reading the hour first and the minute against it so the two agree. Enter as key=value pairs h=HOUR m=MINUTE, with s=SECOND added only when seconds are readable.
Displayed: h=1 m=12
